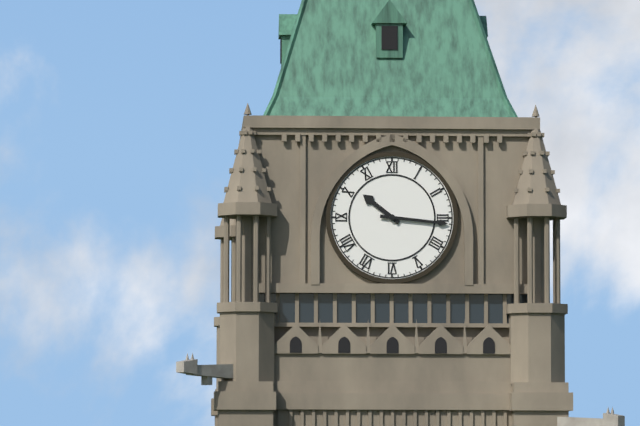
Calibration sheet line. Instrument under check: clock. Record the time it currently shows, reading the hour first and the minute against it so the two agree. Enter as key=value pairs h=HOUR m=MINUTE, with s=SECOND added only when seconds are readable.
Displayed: h=10 m=16
